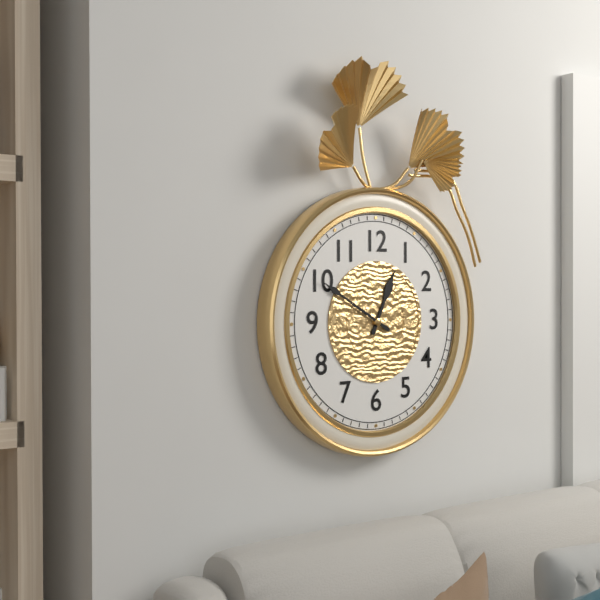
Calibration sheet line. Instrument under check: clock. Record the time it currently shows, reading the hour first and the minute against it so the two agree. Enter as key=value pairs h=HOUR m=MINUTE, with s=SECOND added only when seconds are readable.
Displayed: h=12 m=50
